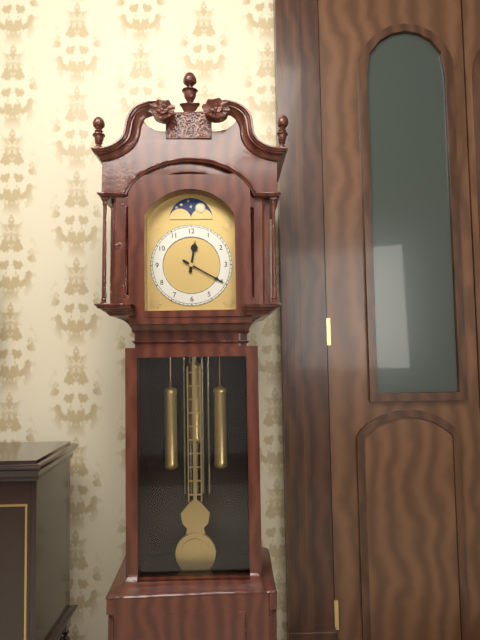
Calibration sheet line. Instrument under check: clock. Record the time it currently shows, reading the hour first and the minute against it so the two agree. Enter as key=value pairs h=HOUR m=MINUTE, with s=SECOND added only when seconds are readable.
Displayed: h=12 m=20
